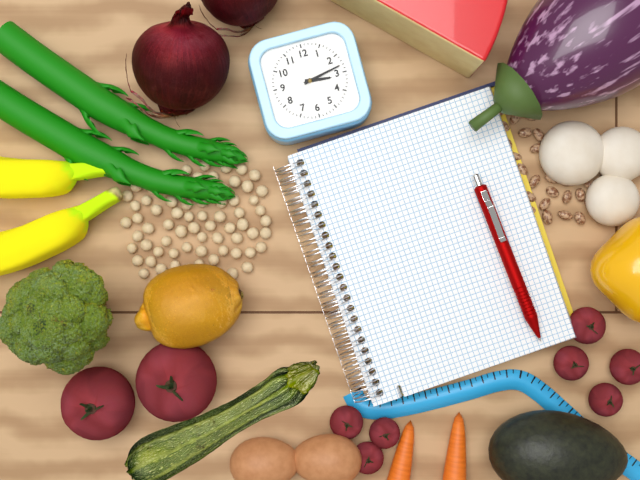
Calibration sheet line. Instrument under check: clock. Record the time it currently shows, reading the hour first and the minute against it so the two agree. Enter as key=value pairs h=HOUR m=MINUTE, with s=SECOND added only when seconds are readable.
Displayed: h=3 m=13
